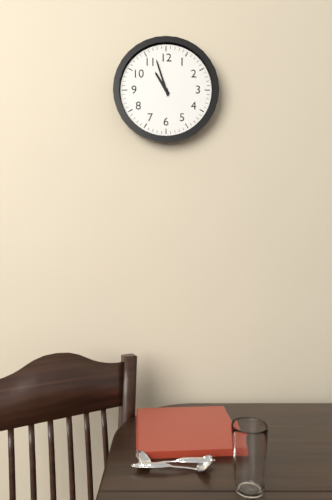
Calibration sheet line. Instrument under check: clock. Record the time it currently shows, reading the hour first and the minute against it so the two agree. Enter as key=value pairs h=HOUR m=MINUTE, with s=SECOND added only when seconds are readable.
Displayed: h=10 m=57
